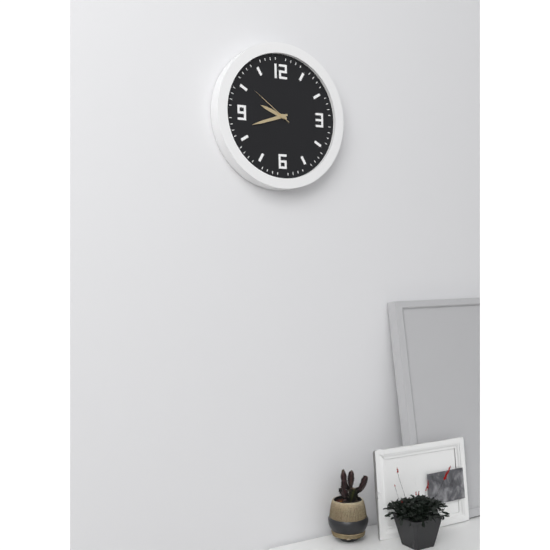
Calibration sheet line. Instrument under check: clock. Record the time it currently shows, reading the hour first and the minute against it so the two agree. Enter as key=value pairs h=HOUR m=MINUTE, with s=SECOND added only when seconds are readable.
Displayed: h=9 m=42
